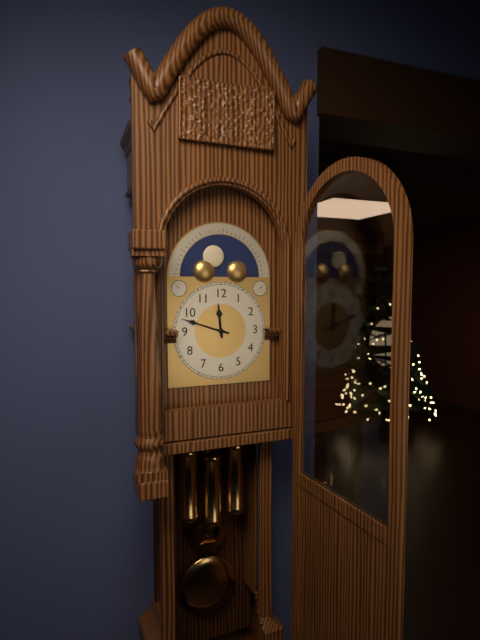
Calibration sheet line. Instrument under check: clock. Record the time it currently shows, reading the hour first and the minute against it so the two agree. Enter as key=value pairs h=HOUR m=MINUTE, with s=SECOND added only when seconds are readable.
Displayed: h=11 m=48
